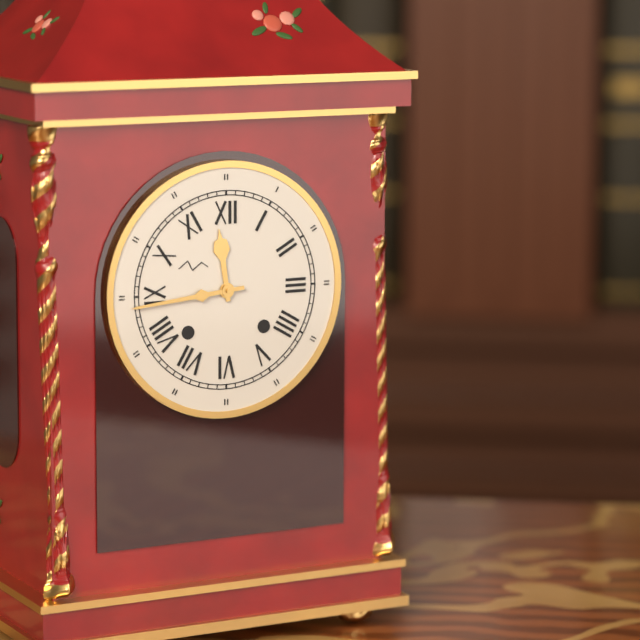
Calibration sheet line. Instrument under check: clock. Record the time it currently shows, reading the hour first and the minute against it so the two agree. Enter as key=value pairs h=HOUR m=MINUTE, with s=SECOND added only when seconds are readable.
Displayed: h=11 m=44
